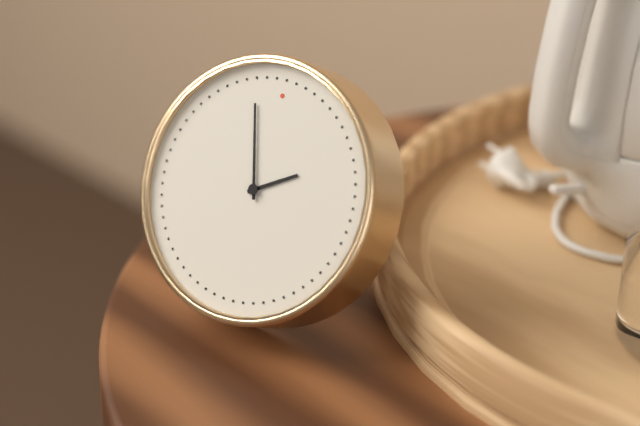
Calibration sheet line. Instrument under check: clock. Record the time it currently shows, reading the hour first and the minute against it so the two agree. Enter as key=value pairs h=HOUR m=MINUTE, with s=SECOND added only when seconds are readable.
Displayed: h=1 m=57
